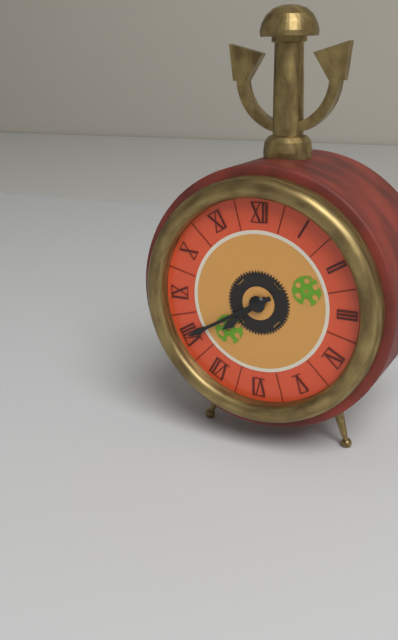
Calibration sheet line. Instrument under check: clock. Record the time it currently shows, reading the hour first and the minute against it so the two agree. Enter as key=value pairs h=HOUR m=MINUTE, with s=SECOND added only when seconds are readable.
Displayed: h=7 m=40
